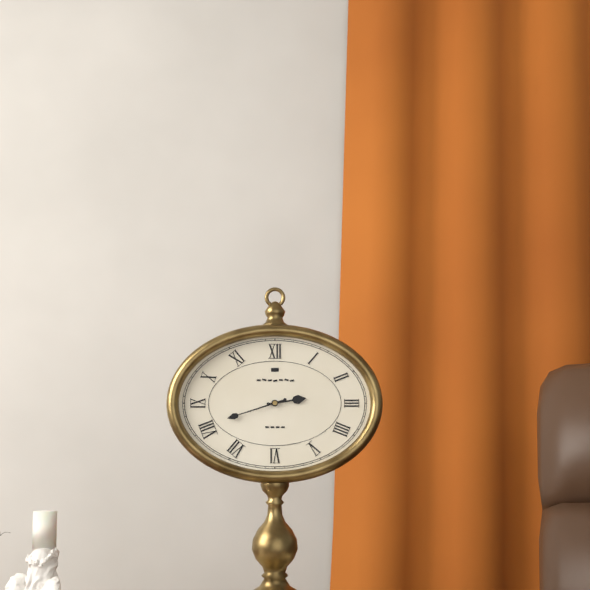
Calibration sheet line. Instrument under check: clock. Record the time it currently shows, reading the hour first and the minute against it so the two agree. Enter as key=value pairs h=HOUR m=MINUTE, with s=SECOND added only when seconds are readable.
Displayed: h=2 m=42
